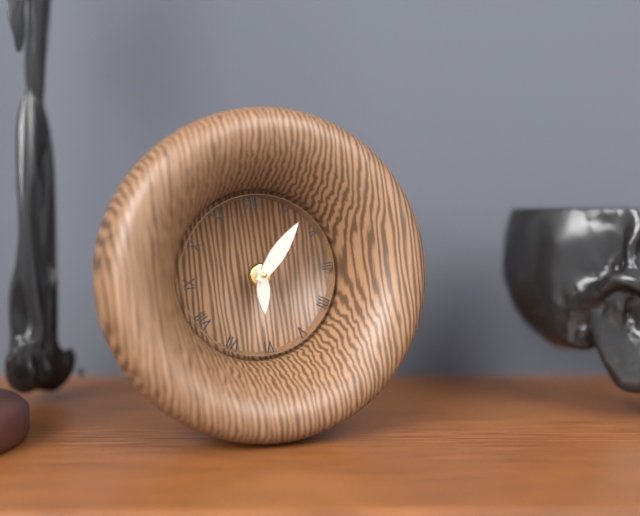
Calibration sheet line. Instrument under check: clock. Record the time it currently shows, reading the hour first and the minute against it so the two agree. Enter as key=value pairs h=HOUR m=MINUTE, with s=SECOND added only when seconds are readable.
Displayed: h=6 m=7
